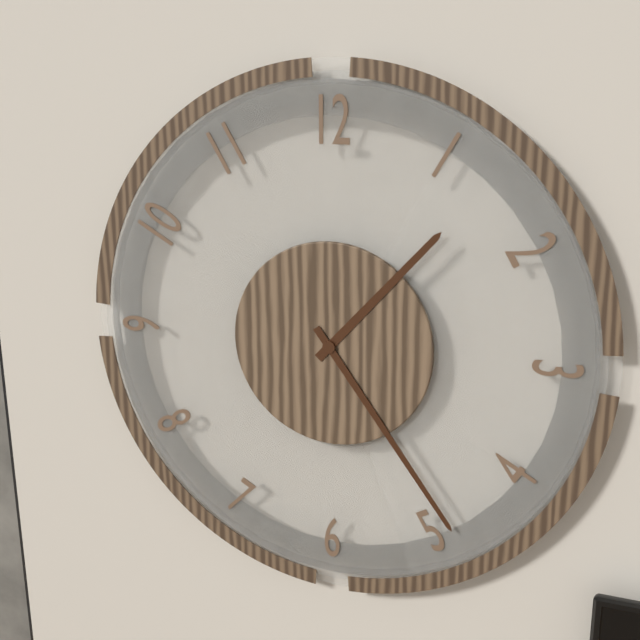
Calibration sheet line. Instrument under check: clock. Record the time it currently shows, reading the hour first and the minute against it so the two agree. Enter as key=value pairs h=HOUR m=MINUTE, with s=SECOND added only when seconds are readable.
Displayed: h=1 m=24
